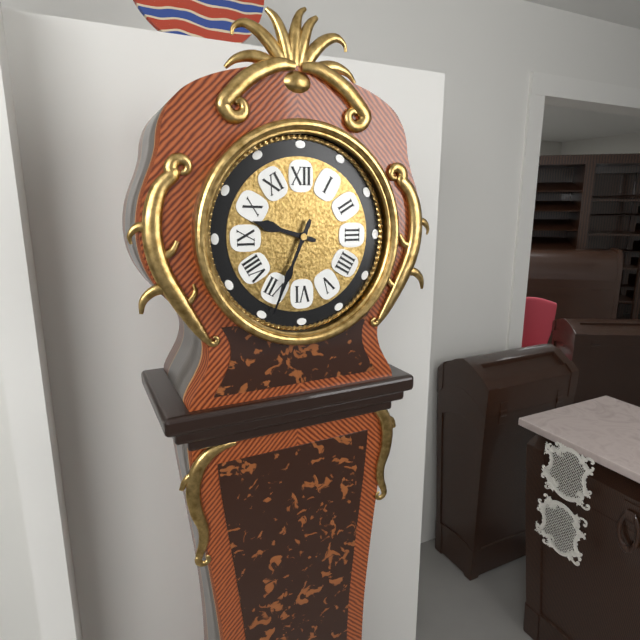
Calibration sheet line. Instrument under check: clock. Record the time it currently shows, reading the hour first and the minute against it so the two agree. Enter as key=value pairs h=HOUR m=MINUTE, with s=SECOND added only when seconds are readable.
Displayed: h=9 m=34
